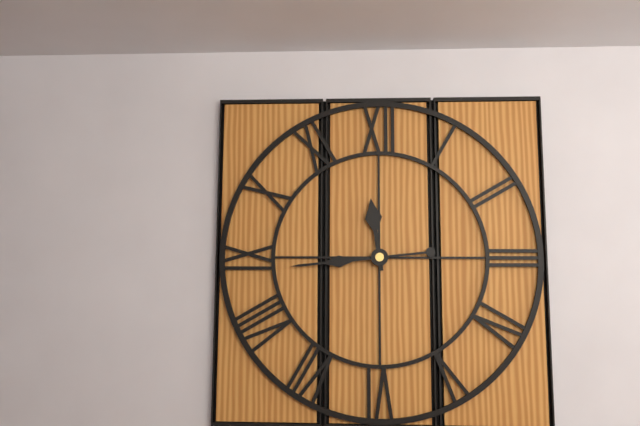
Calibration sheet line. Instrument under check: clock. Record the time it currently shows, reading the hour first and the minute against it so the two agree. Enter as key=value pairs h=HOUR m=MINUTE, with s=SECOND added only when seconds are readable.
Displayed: h=11 m=44
